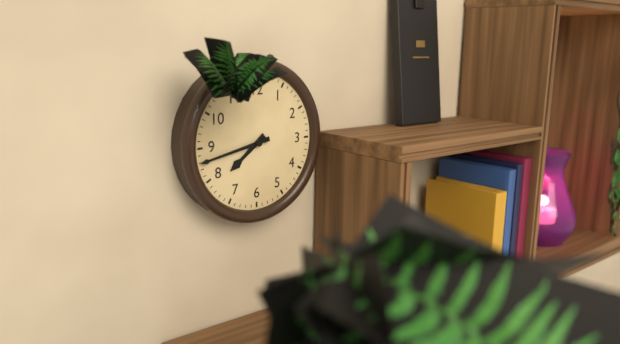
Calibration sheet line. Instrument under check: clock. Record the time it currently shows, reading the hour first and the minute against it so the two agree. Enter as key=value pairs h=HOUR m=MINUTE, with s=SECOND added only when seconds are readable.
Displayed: h=7 m=43
